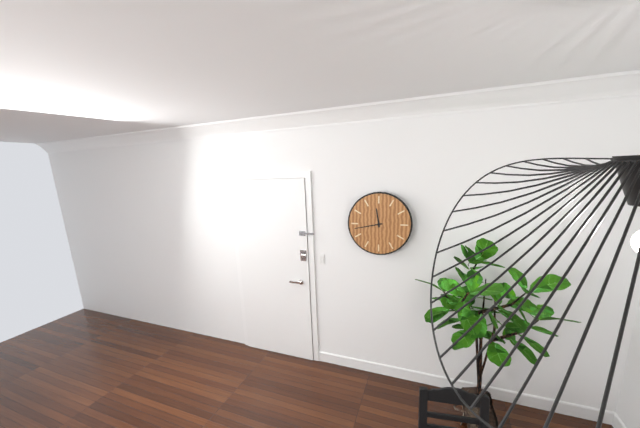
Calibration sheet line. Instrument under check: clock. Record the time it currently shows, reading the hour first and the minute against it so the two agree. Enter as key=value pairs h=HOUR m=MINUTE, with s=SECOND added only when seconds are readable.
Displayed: h=11 m=43
